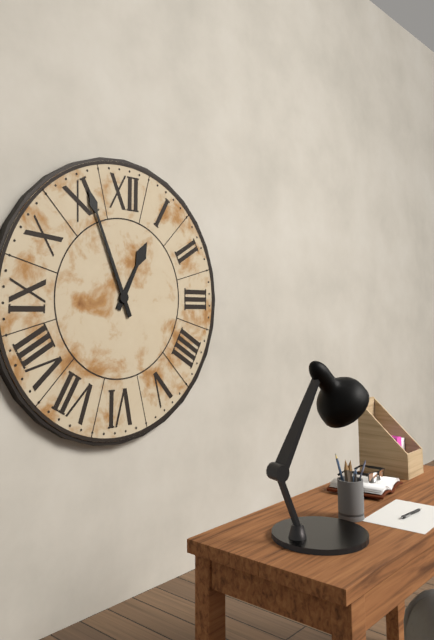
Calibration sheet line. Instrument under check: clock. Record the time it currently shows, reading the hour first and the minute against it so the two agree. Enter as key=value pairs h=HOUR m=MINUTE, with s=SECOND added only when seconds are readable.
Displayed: h=12 m=56
